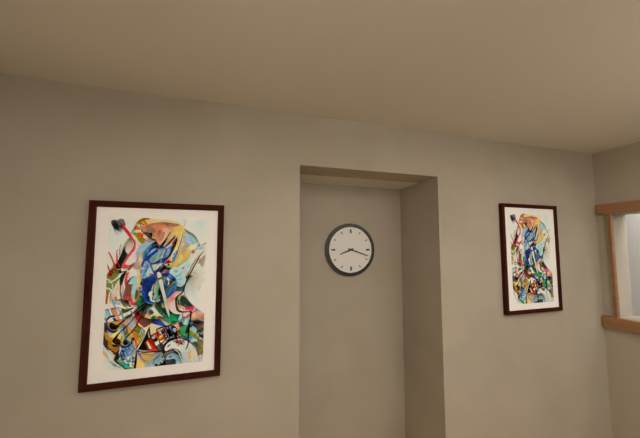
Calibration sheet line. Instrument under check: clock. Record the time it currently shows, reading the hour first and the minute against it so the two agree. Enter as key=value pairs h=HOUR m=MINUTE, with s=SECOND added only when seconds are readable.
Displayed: h=8 m=18
